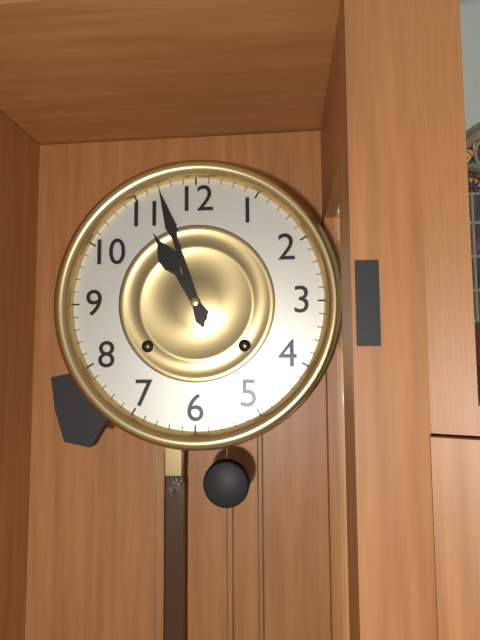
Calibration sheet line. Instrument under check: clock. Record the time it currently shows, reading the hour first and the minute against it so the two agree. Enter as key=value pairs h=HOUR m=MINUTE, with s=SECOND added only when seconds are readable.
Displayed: h=10 m=57
